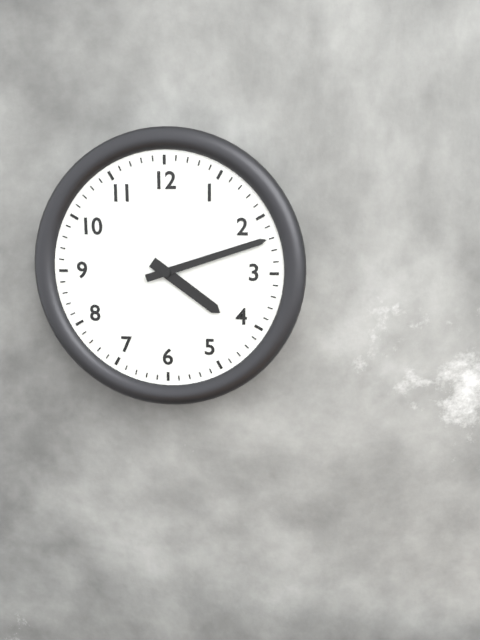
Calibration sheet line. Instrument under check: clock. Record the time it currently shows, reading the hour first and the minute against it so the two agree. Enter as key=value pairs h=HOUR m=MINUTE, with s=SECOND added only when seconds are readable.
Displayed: h=4 m=12
